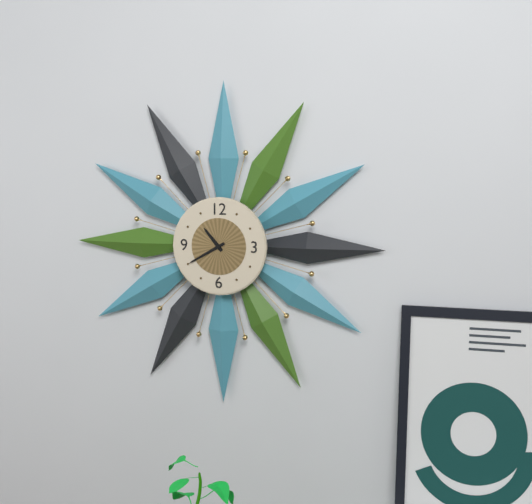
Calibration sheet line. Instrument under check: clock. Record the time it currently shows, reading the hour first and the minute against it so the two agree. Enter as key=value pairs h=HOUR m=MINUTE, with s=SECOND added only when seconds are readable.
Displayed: h=10 m=40
